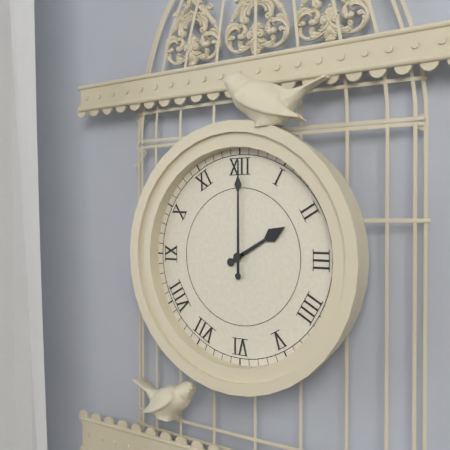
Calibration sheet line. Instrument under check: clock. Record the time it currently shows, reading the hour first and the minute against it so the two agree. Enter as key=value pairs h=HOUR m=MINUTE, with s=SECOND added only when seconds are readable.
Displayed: h=2 m=0
